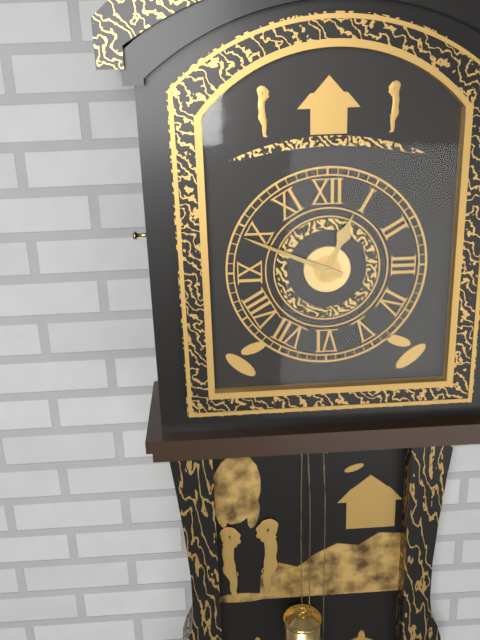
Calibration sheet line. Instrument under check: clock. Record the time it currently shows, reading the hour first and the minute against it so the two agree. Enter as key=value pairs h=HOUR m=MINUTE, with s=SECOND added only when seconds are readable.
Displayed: h=12 m=49
